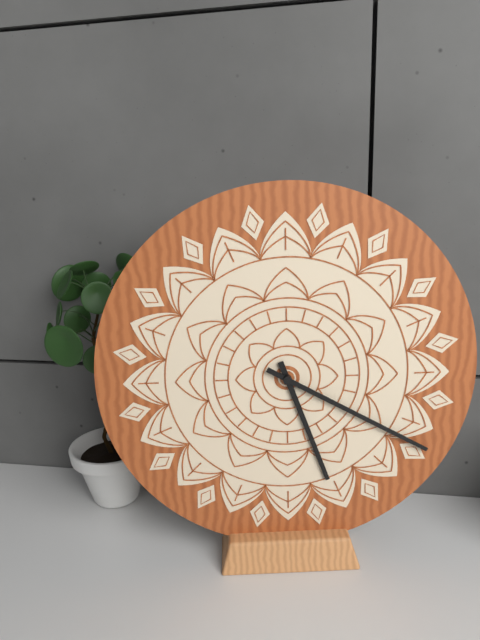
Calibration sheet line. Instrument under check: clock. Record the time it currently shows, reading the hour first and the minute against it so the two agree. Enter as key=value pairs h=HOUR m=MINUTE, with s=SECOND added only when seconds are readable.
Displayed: h=5 m=20
